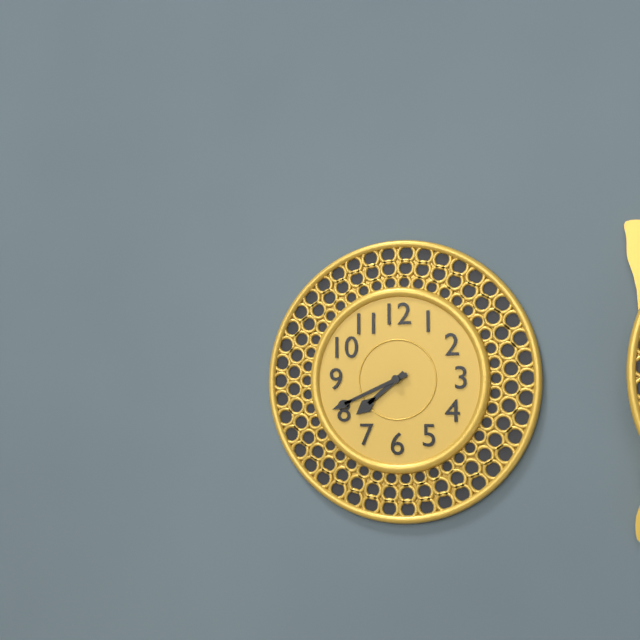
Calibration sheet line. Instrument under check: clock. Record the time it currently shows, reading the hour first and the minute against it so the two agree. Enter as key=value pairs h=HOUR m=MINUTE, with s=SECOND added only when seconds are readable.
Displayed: h=7 m=41
